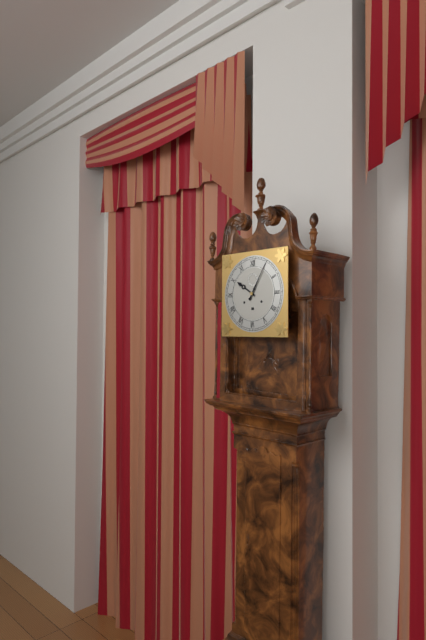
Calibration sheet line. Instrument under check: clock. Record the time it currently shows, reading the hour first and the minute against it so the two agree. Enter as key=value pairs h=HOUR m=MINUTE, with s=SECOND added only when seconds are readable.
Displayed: h=10 m=5
